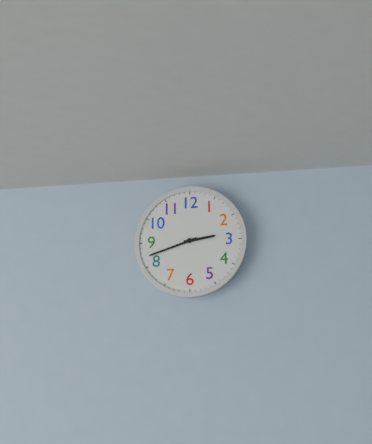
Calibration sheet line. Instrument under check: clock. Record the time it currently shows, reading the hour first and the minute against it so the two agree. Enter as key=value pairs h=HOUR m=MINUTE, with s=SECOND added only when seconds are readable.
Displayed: h=2 m=42
